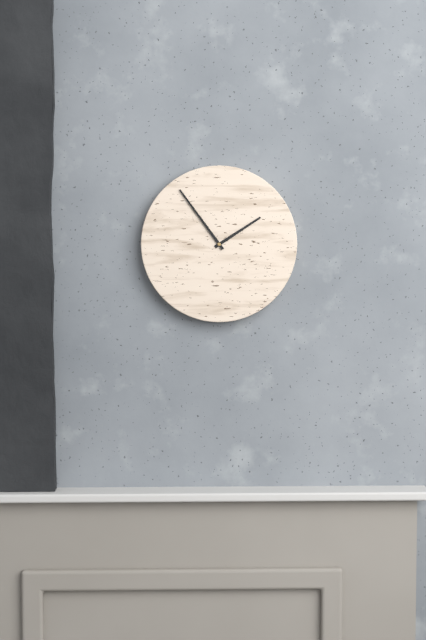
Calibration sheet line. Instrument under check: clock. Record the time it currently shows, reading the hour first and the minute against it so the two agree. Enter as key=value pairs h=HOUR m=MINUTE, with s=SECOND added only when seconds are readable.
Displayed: h=1 m=54
